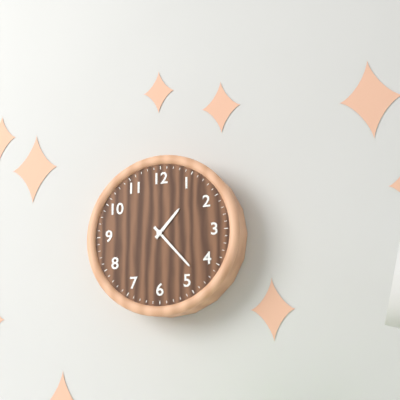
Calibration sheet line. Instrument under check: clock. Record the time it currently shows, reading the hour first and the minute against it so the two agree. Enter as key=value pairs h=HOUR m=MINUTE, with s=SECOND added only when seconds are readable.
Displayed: h=1 m=23
